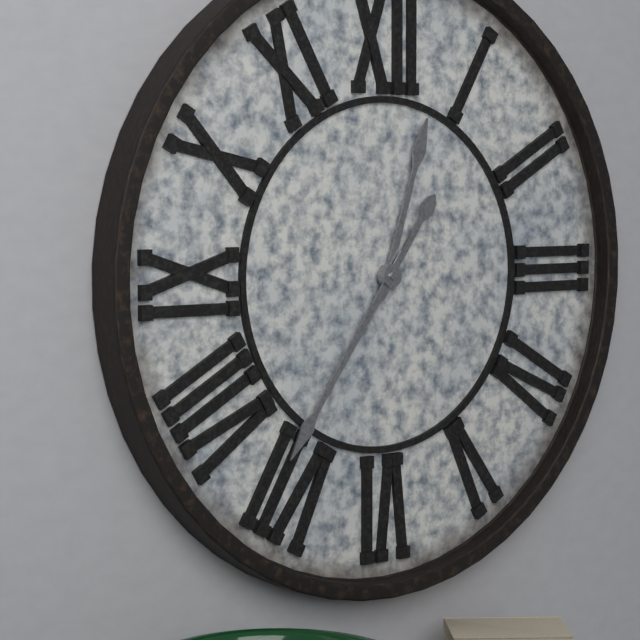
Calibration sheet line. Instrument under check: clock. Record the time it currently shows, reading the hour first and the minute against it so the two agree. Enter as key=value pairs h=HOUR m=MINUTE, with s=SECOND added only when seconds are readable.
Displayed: h=12 m=36
